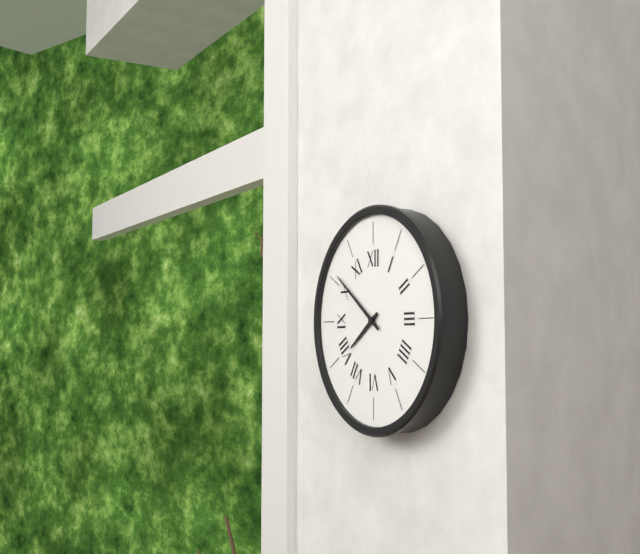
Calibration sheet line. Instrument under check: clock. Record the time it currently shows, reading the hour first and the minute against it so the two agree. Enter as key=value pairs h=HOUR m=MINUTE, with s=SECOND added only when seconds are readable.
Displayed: h=7 m=51
